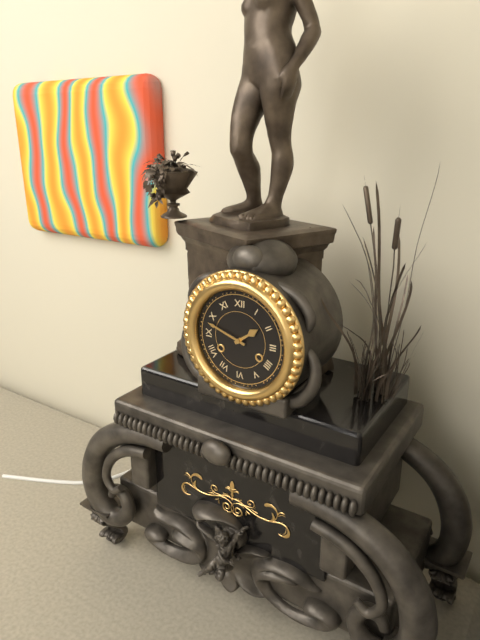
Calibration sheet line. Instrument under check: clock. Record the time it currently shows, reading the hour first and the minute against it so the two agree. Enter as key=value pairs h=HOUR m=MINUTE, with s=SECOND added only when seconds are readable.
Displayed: h=1 m=48
